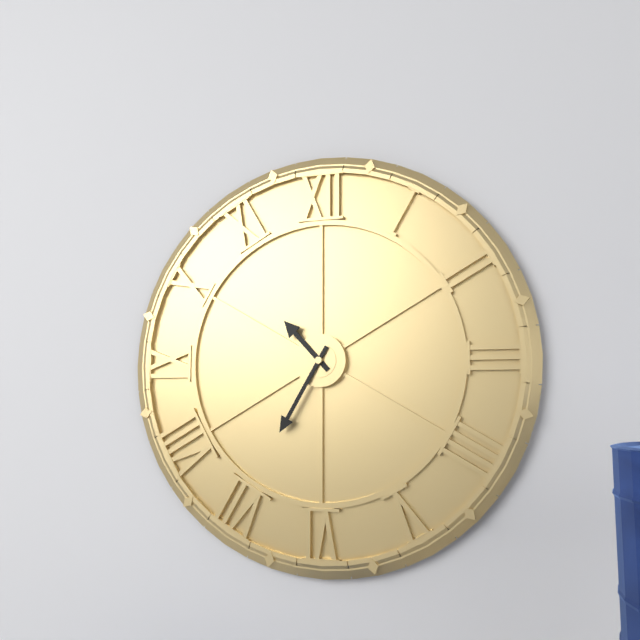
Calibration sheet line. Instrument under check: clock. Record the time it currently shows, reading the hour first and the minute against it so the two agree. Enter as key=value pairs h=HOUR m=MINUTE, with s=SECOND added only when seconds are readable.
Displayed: h=10 m=35
